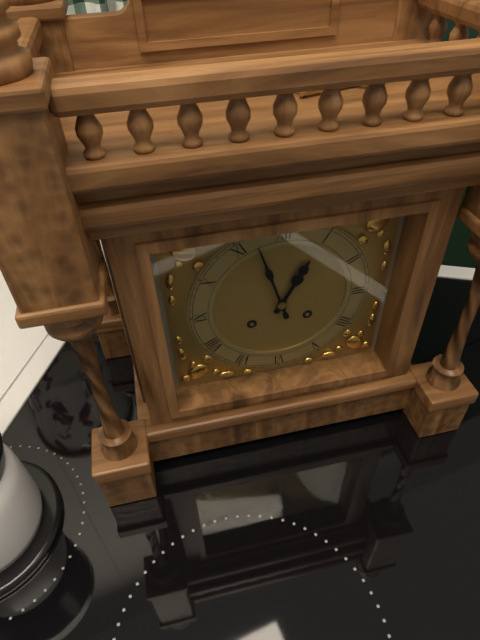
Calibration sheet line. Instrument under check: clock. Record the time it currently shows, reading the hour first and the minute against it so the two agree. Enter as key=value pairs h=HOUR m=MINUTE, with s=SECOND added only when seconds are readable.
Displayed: h=12 m=57
